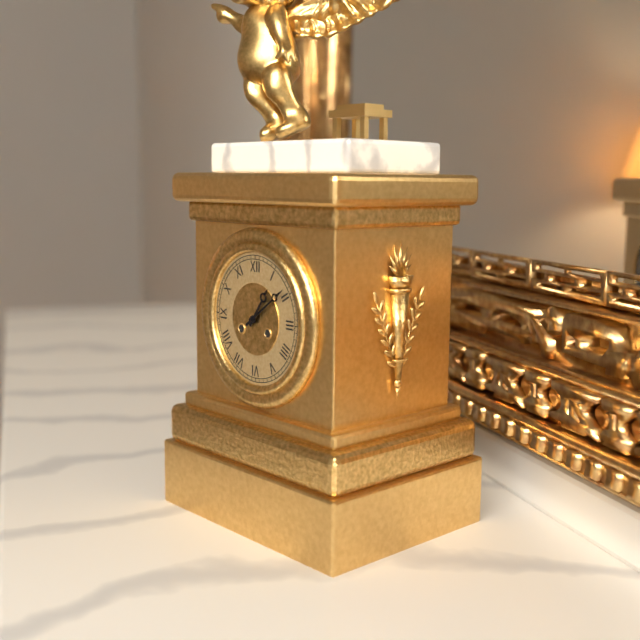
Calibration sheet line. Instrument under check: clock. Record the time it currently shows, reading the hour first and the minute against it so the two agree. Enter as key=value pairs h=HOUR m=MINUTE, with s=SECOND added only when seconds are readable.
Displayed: h=1 m=9
